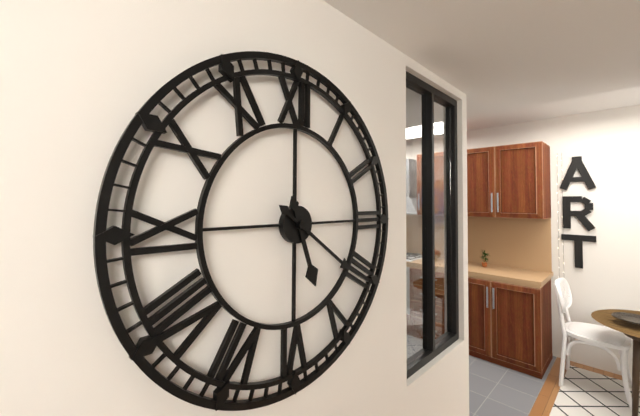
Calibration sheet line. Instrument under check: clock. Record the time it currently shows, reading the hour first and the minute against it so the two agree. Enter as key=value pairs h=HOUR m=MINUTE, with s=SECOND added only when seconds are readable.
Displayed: h=5 m=21
